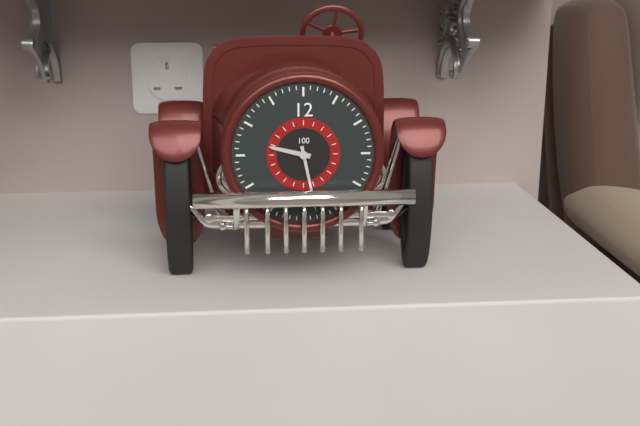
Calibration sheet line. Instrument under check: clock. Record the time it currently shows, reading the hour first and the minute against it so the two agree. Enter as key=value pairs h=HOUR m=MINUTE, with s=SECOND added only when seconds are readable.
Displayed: h=9 m=28
